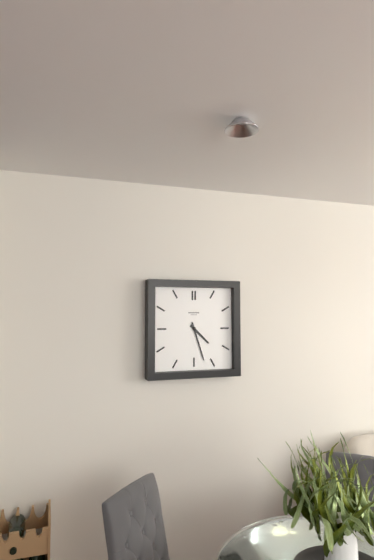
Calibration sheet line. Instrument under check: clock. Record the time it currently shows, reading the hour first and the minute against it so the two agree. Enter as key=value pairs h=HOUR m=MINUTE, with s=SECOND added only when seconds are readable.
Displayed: h=4 m=27
